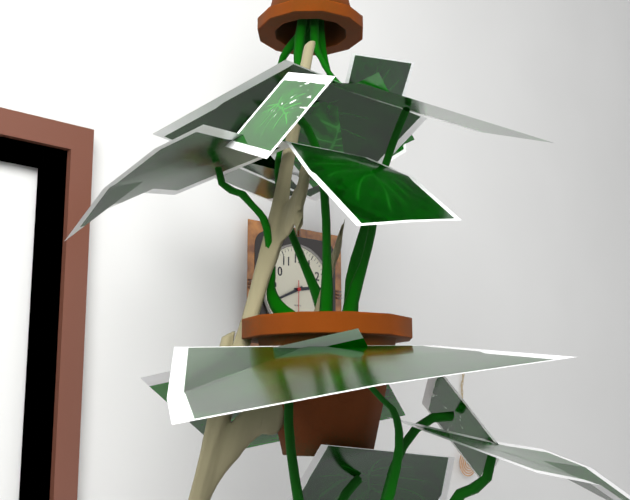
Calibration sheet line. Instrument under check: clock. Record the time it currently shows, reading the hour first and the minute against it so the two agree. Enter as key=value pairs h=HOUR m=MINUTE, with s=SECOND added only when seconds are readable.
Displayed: h=2 m=41
